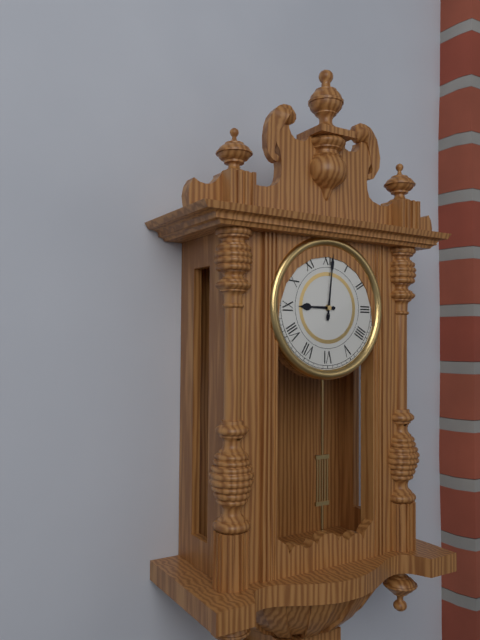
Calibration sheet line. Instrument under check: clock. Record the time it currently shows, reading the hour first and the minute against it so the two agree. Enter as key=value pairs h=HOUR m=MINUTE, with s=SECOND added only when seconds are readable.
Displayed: h=9 m=1
